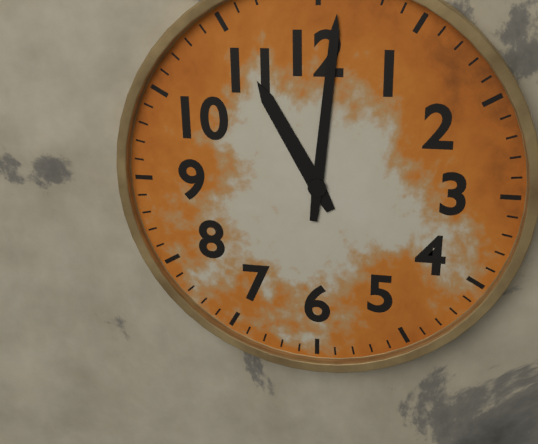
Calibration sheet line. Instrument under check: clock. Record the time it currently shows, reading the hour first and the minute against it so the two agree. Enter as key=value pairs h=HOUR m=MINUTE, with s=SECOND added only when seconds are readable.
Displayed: h=11 m=1
